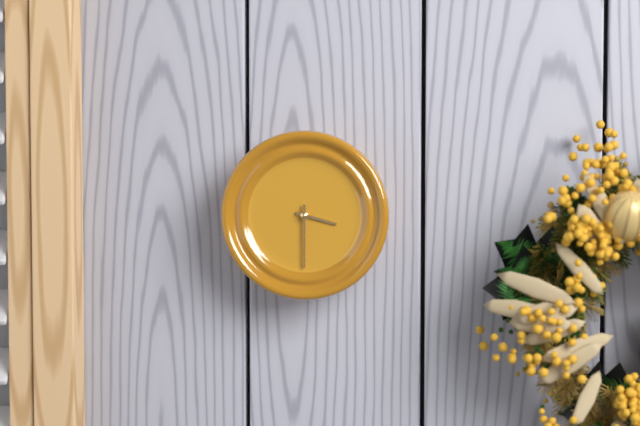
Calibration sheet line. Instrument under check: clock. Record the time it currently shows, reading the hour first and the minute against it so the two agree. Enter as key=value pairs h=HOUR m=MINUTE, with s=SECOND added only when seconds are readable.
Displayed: h=3 m=30
